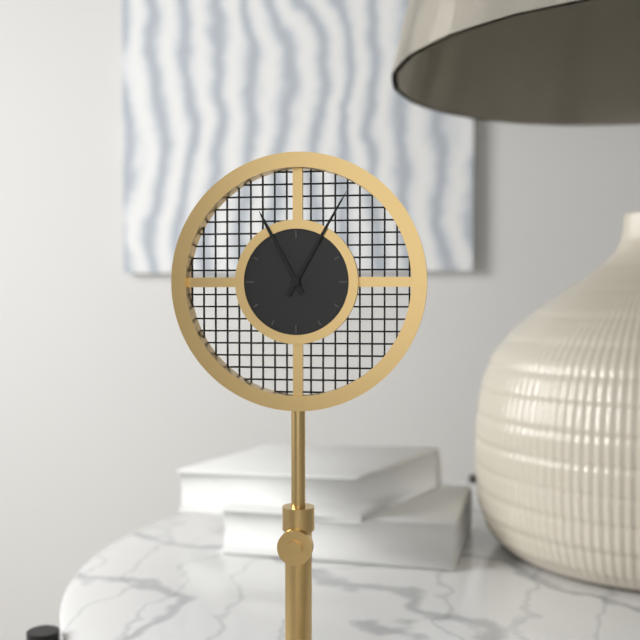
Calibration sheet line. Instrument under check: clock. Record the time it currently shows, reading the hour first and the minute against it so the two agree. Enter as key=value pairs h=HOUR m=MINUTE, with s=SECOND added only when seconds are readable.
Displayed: h=11 m=5
